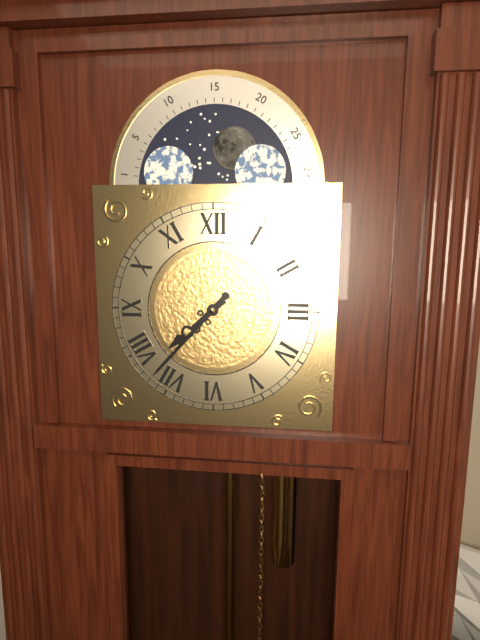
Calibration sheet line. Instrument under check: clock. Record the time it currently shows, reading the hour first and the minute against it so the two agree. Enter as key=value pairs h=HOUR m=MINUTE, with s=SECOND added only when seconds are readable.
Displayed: h=7 m=37
